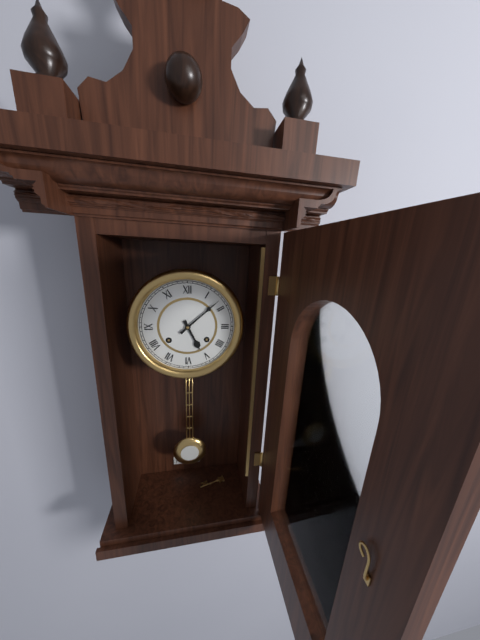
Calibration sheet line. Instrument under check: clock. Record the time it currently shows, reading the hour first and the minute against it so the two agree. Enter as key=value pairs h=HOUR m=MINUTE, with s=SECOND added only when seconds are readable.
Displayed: h=5 m=8
